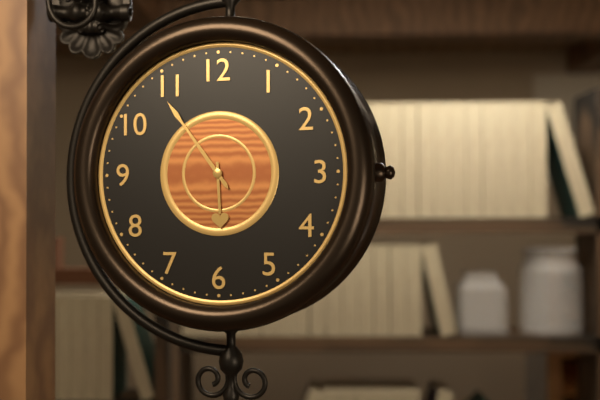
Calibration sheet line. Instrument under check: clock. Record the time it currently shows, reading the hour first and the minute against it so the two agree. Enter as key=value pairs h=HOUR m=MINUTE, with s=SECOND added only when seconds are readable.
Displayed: h=5 m=54
